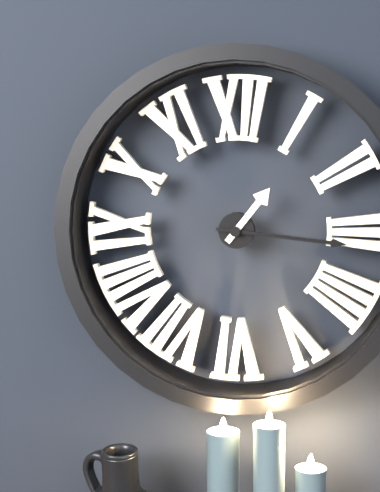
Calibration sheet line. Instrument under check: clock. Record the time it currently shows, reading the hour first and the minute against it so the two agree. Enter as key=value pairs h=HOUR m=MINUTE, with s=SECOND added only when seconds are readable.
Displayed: h=1 m=16
